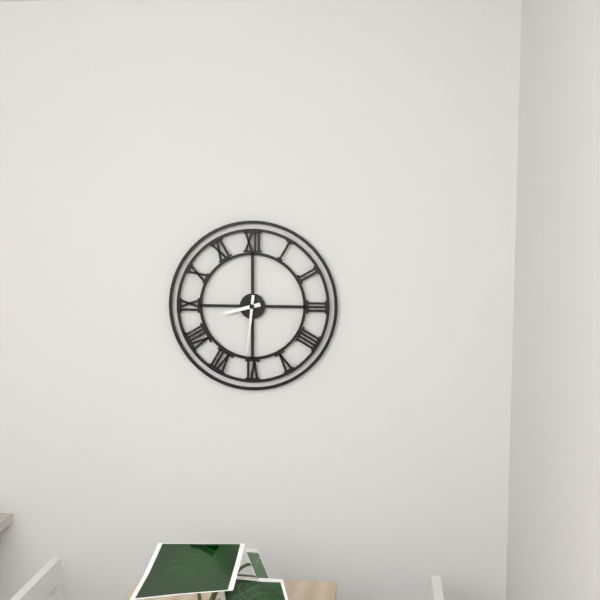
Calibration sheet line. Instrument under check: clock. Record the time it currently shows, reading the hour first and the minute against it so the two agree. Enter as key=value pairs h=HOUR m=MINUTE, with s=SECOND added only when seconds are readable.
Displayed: h=8 m=31
